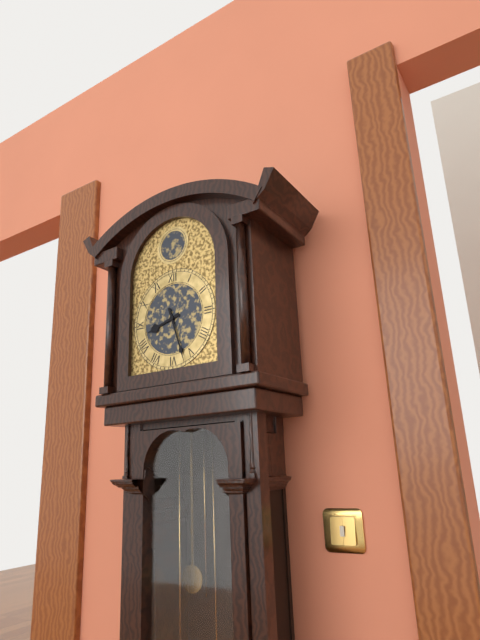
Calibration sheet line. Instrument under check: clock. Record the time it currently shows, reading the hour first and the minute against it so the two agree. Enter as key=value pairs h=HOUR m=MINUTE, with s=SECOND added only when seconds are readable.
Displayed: h=8 m=27
